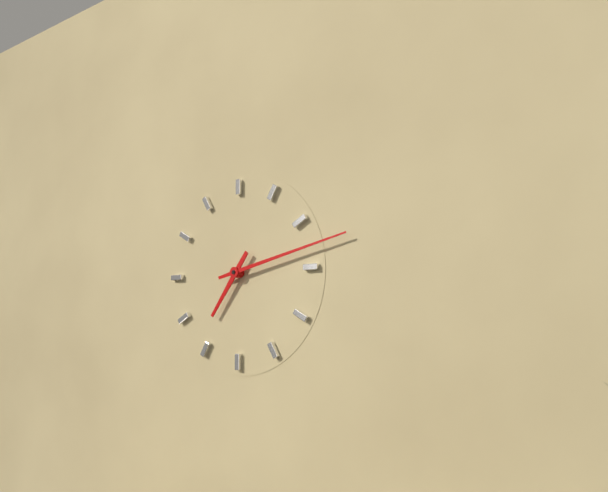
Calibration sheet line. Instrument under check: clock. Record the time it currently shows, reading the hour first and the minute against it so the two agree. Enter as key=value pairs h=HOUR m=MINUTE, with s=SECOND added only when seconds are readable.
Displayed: h=7 m=13
